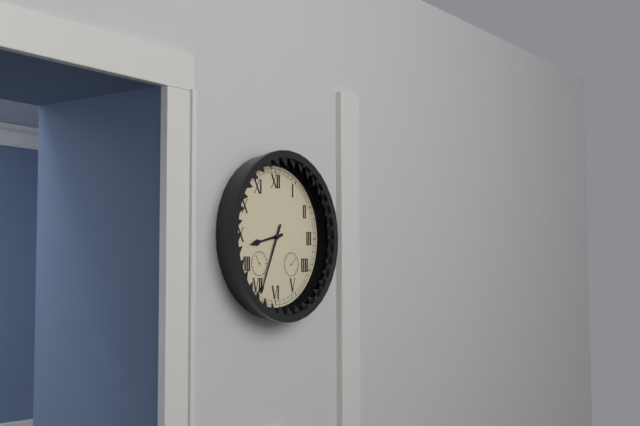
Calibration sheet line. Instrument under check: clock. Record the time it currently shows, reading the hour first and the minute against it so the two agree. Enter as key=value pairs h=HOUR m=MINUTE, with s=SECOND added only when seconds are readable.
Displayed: h=8 m=34
